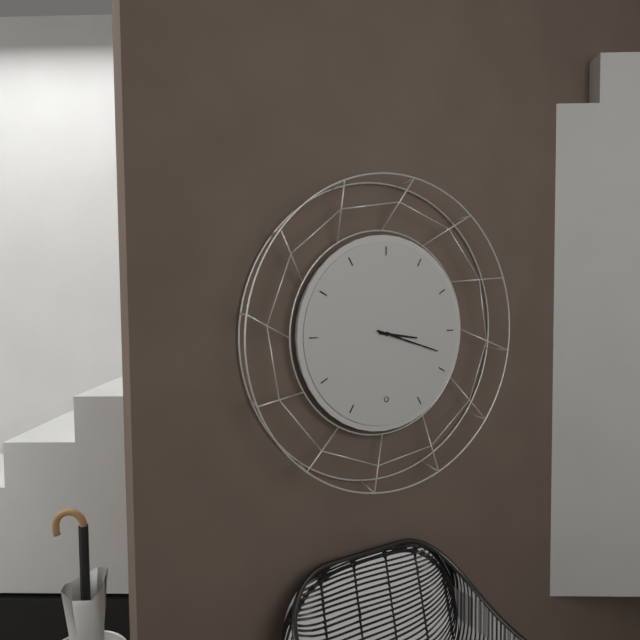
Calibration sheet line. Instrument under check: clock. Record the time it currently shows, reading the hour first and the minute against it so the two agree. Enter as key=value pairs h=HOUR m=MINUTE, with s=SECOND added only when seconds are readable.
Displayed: h=3 m=18
